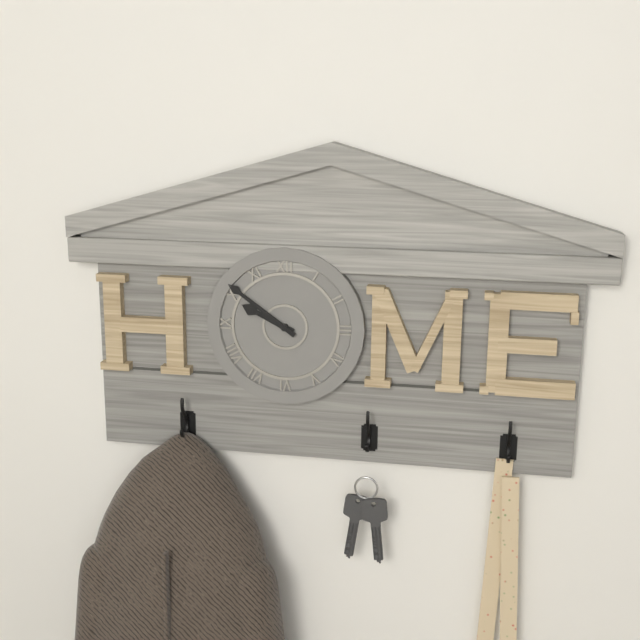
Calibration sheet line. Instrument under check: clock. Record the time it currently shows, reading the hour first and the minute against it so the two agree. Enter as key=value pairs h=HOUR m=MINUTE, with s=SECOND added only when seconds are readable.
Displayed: h=9 m=51
